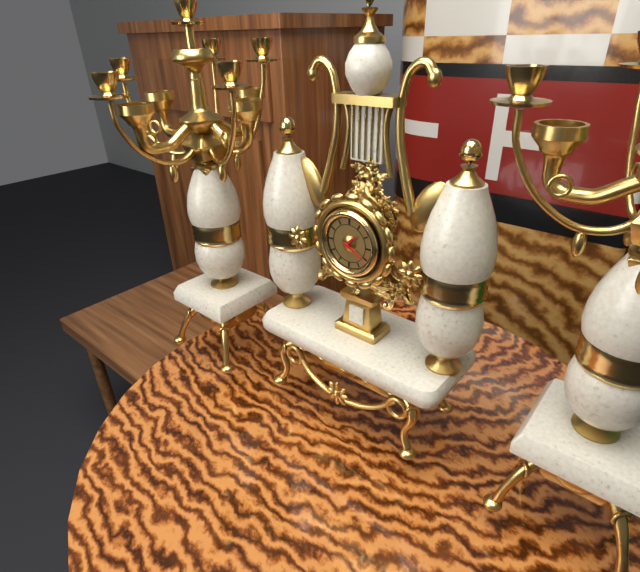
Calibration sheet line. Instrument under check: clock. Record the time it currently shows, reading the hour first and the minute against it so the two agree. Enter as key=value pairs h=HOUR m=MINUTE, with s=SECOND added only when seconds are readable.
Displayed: h=1 m=20
